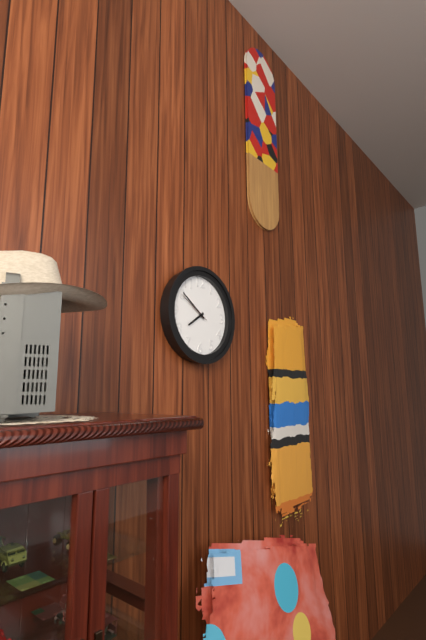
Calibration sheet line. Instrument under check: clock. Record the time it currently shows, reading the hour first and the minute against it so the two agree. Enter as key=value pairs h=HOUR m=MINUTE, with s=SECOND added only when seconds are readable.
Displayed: h=7 m=51
